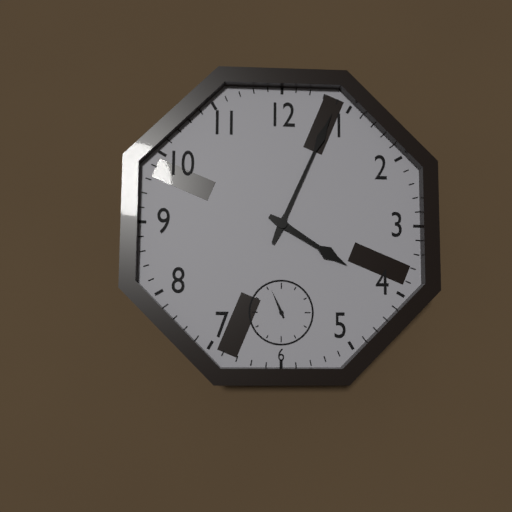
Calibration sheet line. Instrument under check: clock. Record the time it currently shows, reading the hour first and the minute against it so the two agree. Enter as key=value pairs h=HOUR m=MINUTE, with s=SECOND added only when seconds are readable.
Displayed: h=4 m=4
